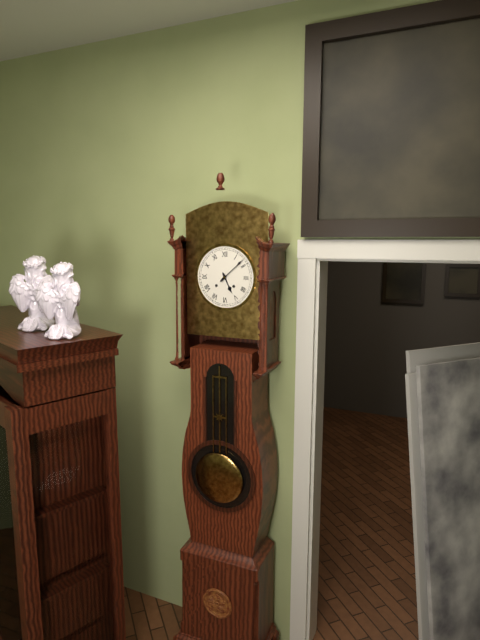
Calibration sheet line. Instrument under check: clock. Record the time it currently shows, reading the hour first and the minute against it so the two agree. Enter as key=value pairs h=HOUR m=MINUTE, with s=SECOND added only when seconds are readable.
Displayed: h=5 m=8
